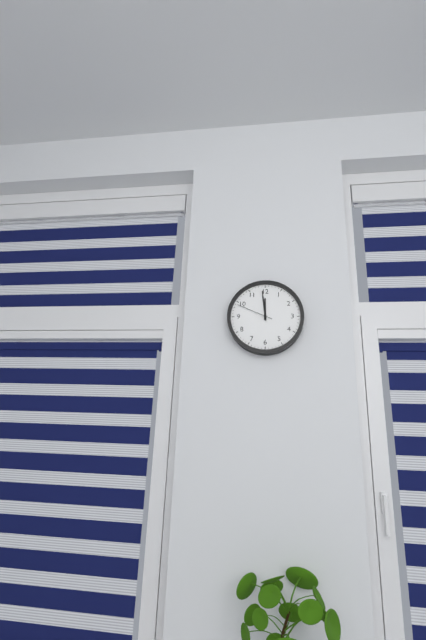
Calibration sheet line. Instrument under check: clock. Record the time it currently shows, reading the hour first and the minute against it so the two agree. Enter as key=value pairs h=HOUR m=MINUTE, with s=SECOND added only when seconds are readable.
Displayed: h=11 m=59
